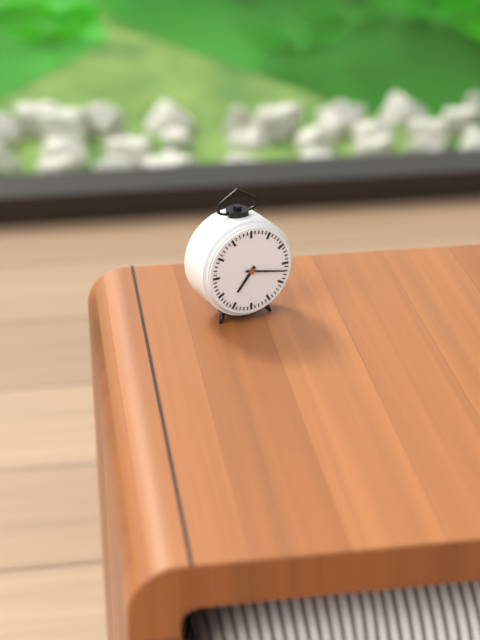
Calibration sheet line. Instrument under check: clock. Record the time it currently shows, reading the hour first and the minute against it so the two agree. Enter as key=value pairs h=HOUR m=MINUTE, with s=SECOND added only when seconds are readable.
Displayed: h=7 m=17
